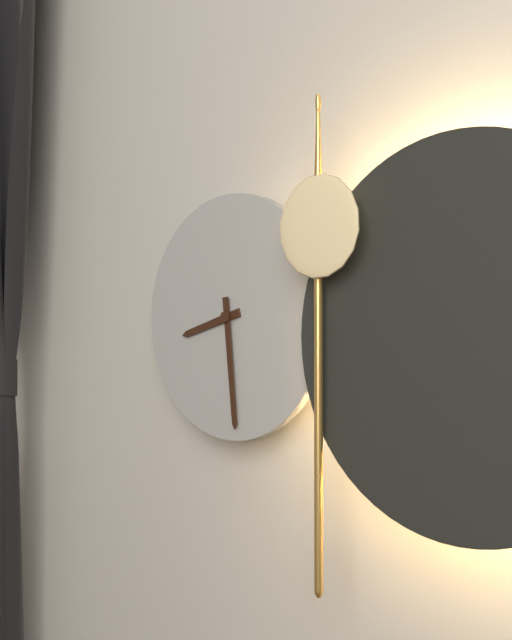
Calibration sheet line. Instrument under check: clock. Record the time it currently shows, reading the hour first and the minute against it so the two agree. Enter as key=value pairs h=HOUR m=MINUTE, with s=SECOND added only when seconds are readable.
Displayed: h=8 m=29
